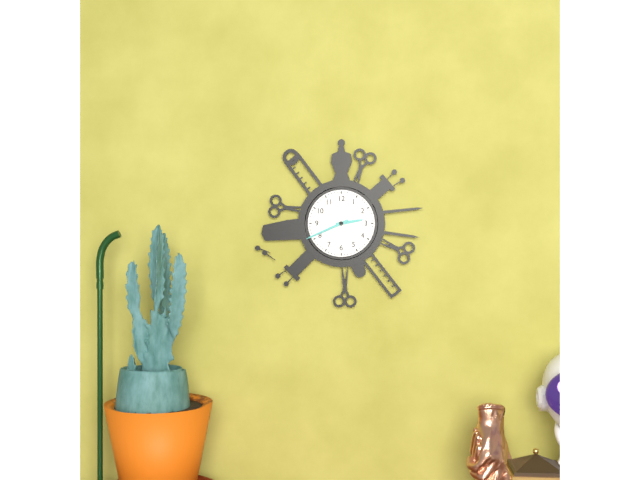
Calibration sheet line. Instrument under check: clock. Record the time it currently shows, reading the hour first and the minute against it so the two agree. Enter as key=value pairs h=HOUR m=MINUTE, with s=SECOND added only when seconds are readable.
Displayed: h=2 m=41
